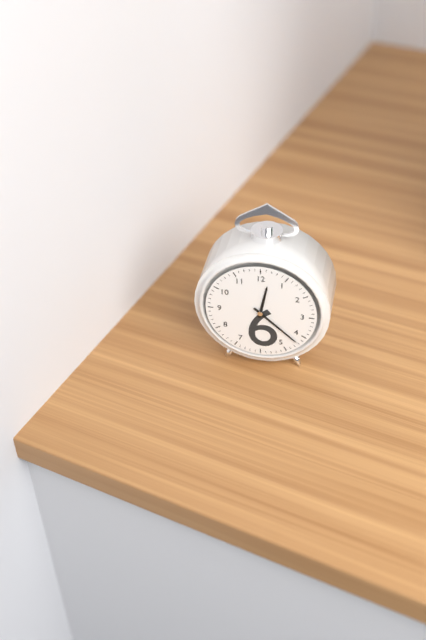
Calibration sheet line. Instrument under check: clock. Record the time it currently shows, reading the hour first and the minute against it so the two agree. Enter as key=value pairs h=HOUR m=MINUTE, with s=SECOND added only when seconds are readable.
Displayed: h=12 m=22
